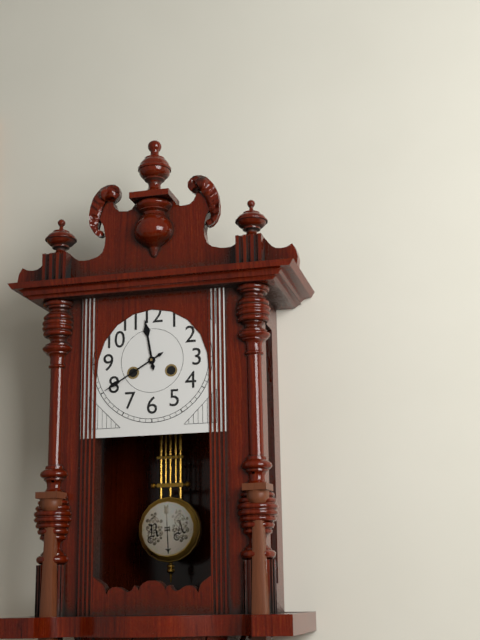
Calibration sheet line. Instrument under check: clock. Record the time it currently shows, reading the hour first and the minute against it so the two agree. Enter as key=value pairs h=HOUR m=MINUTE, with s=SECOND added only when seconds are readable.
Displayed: h=11 m=40
